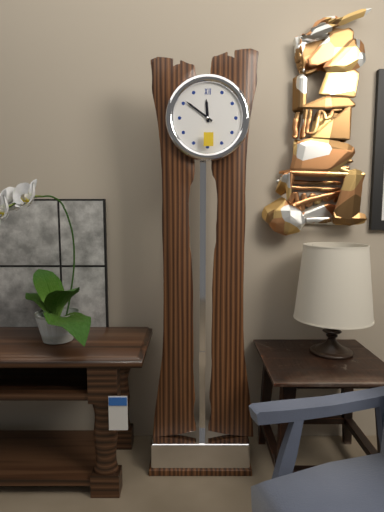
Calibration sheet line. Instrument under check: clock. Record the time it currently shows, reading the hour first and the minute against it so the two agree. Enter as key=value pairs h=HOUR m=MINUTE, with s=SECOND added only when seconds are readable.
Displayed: h=11 m=51
